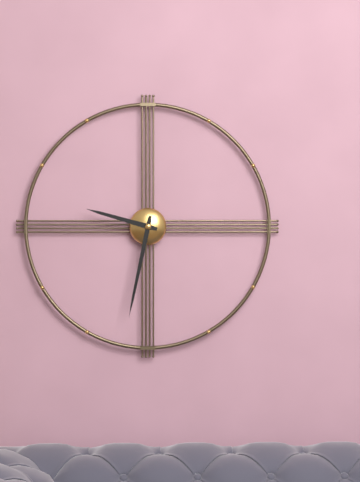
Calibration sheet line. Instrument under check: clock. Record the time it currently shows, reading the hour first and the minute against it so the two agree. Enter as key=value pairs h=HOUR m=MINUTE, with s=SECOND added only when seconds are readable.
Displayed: h=9 m=32
